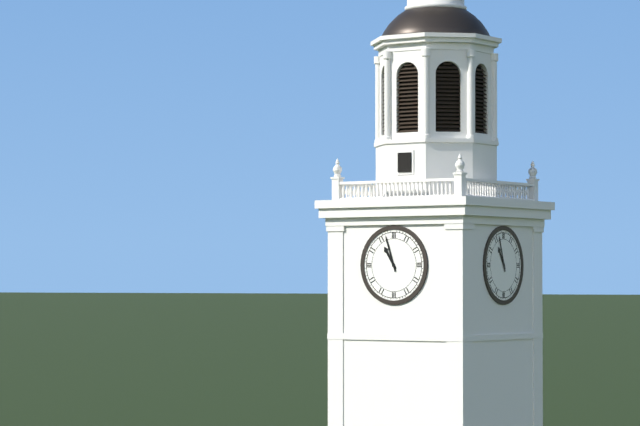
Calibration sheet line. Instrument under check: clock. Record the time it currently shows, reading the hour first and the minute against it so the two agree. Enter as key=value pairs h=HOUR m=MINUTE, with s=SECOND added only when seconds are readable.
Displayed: h=10 m=57
